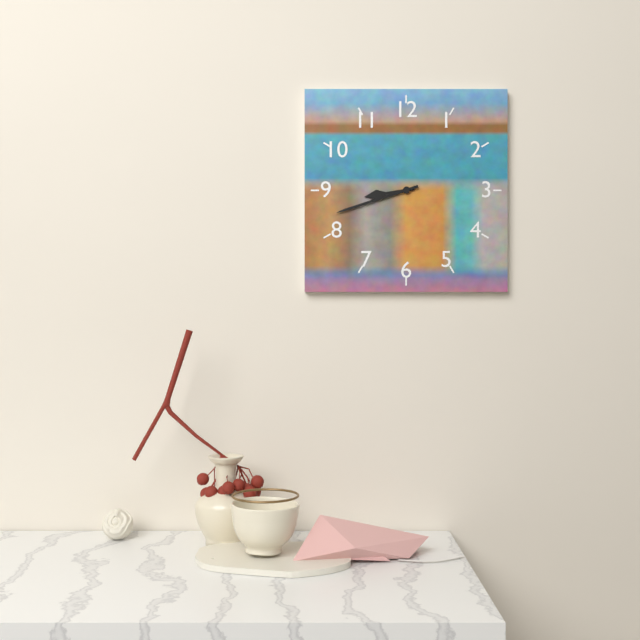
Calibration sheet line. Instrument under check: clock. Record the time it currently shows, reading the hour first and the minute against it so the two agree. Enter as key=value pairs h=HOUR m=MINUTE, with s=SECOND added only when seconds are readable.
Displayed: h=8 m=42
